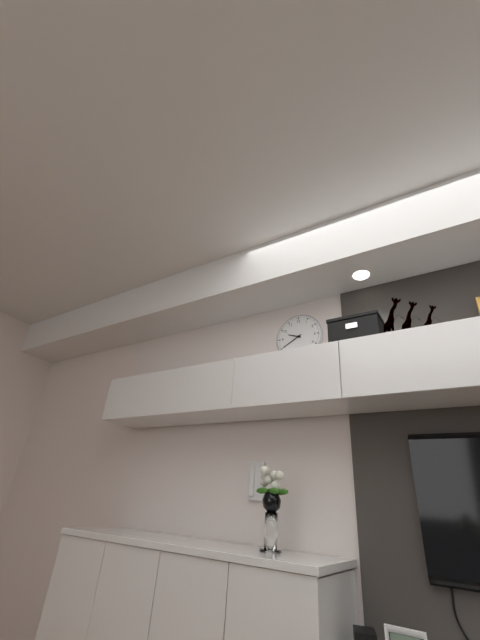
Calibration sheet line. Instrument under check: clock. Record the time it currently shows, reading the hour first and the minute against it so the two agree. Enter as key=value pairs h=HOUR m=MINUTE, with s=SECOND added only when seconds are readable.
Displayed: h=9 m=40
